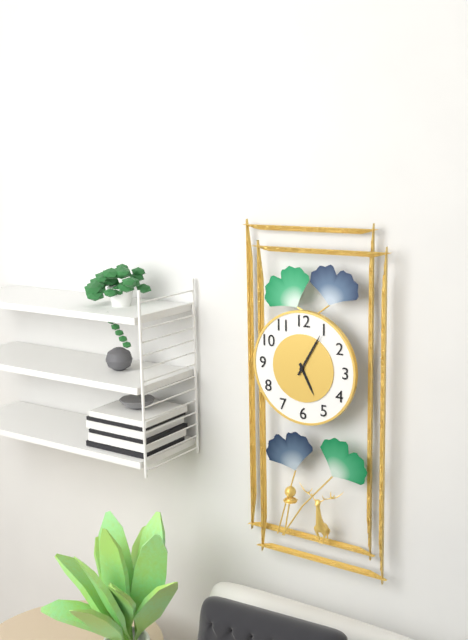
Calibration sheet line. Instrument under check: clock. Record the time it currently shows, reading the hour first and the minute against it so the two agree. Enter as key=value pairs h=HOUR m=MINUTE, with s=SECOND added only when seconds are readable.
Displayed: h=5 m=5
